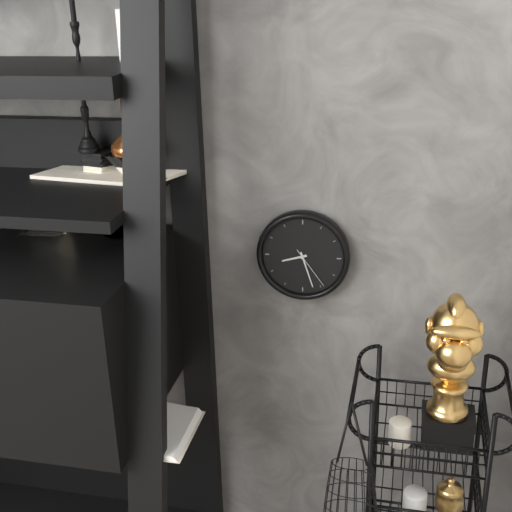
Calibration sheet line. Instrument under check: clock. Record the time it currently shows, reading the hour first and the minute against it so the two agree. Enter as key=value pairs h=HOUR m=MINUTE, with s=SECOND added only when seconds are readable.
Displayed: h=8 m=27
